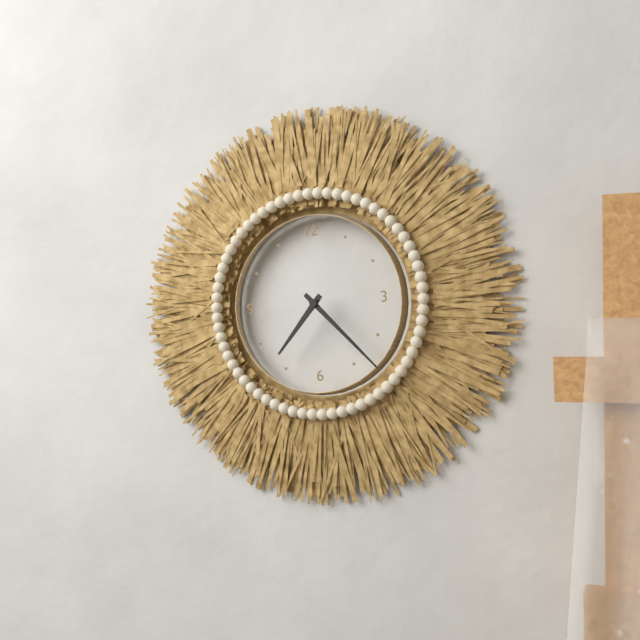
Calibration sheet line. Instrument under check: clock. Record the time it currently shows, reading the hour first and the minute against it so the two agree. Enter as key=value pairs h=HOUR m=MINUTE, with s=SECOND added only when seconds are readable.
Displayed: h=7 m=23
